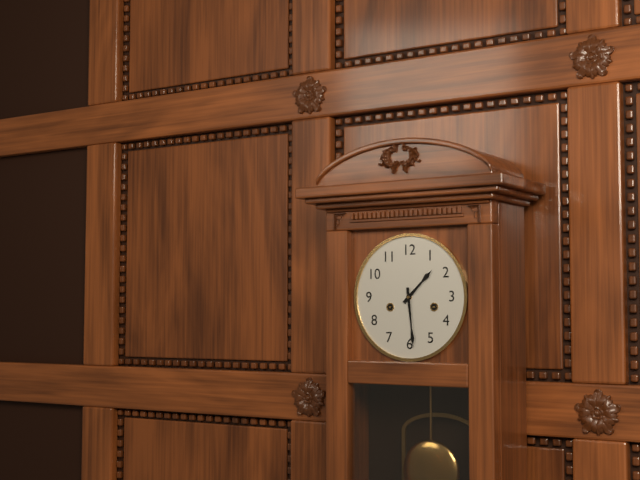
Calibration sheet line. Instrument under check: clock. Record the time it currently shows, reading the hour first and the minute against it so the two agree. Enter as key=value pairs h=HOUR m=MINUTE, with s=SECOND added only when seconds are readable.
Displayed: h=1 m=29
